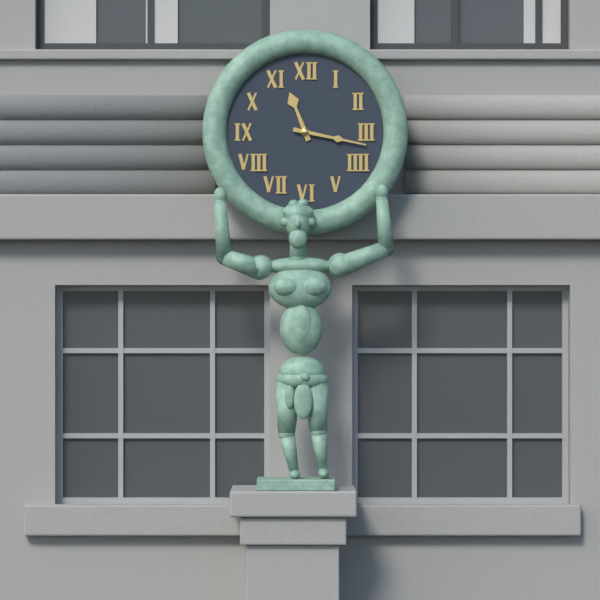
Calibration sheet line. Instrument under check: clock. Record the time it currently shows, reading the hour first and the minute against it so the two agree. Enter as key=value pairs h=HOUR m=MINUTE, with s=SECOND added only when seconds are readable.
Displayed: h=11 m=17
